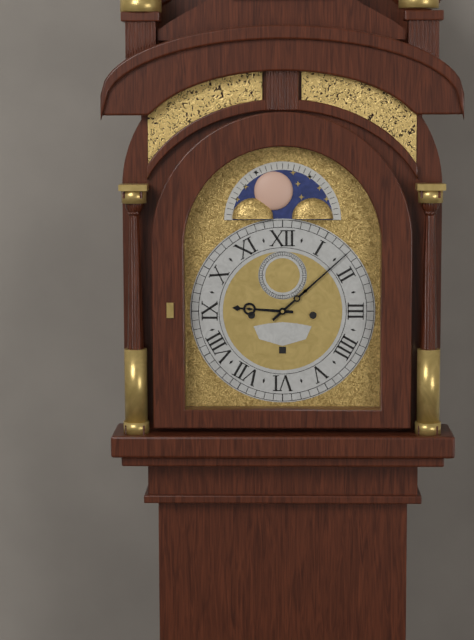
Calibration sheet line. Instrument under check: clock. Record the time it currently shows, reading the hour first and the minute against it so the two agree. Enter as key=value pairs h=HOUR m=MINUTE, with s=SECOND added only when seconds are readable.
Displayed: h=9 m=8
